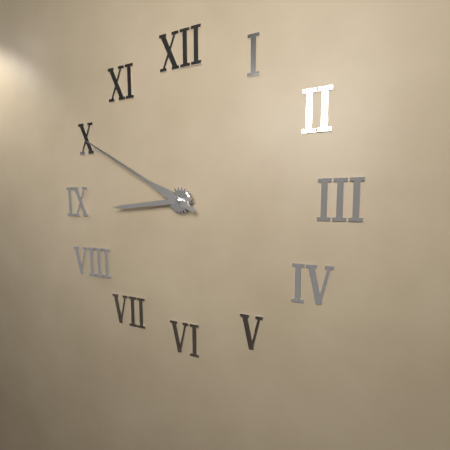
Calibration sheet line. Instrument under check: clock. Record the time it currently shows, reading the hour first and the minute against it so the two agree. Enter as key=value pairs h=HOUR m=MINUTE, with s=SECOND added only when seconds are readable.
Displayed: h=8 m=50
